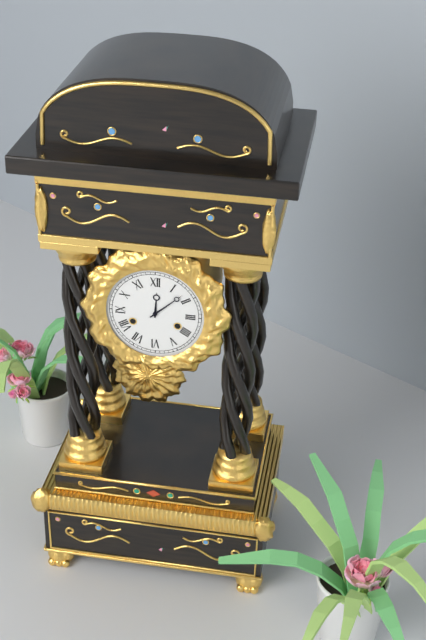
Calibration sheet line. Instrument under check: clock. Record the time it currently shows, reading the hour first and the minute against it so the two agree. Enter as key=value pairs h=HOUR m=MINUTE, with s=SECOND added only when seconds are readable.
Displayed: h=12 m=8
